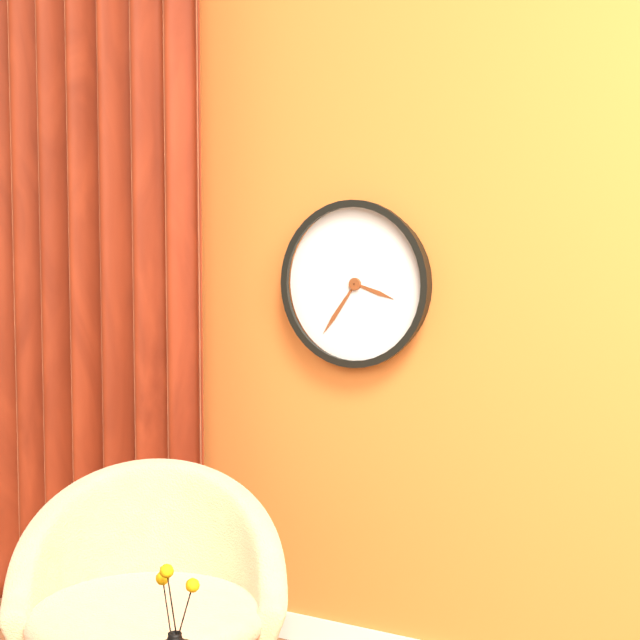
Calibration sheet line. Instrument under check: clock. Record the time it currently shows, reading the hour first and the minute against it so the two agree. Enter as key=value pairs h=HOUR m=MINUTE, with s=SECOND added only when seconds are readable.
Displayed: h=3 m=36
